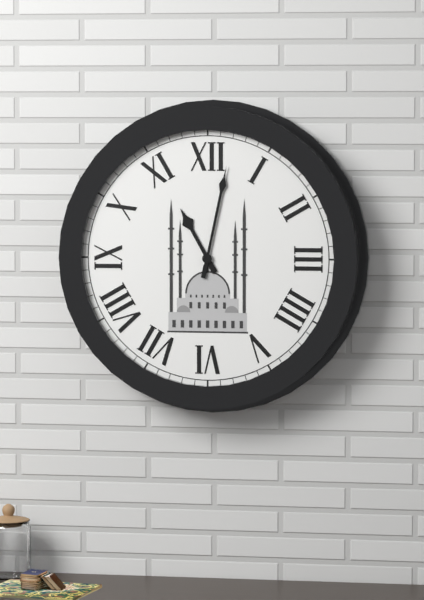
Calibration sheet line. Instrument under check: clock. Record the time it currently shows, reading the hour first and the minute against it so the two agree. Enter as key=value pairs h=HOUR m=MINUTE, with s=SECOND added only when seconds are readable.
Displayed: h=11 m=2
